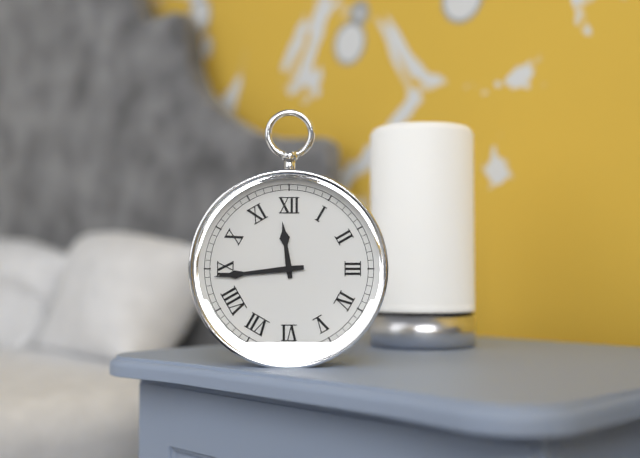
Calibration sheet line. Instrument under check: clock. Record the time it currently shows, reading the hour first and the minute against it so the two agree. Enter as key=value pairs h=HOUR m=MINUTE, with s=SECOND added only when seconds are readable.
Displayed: h=11 m=44
